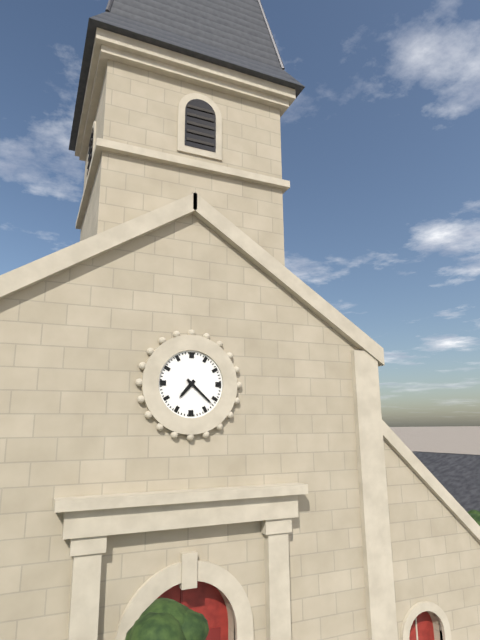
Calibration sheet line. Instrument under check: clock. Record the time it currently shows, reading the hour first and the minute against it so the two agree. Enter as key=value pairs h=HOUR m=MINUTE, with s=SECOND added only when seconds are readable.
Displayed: h=7 m=22
